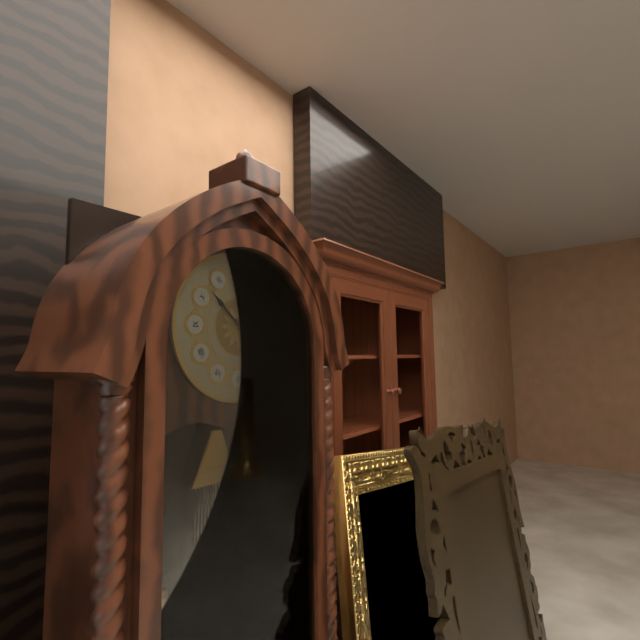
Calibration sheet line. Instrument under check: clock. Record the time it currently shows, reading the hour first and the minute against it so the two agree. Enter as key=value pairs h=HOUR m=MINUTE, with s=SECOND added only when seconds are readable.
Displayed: h=4 m=52
